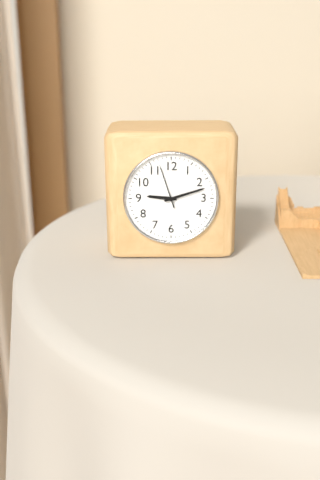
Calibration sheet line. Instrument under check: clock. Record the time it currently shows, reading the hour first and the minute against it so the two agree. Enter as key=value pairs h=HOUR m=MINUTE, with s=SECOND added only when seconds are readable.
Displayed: h=9 m=12
